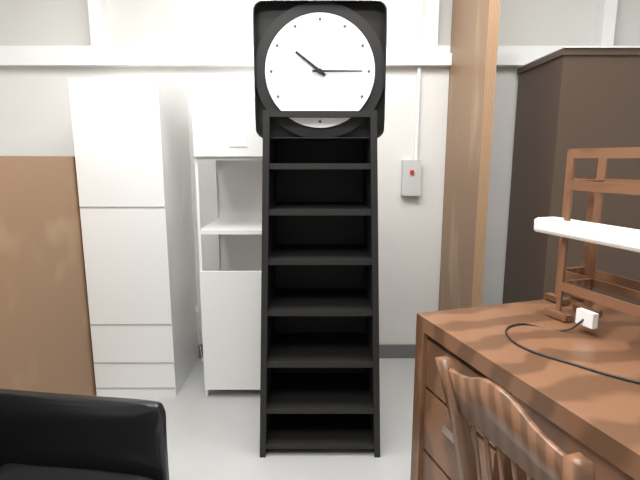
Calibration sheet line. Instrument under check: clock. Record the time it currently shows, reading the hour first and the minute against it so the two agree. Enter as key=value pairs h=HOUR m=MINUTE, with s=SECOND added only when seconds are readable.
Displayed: h=10 m=15
